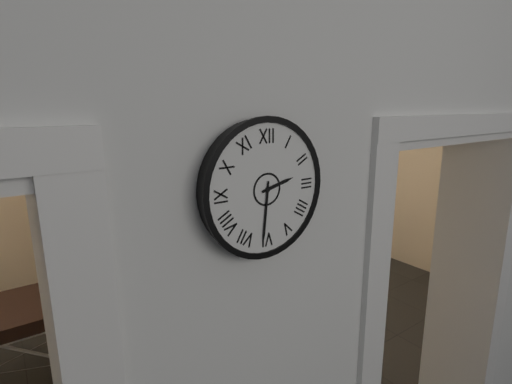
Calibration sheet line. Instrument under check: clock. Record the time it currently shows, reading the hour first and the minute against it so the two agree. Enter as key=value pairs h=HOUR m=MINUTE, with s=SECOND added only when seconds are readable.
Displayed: h=2 m=31
